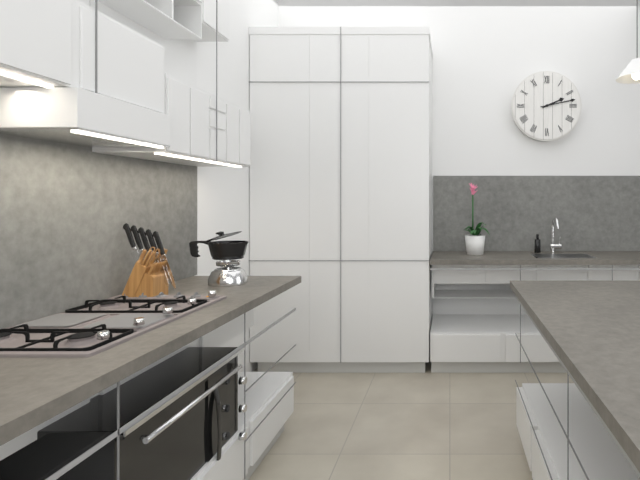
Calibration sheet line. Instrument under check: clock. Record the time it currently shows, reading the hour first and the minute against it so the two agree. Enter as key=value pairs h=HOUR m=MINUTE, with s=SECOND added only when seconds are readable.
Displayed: h=2 m=13
